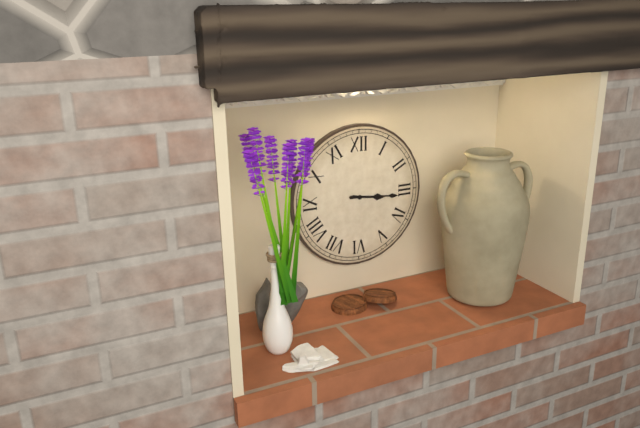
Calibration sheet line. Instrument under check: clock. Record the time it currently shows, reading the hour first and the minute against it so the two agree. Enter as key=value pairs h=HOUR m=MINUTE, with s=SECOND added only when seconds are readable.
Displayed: h=3 m=16
